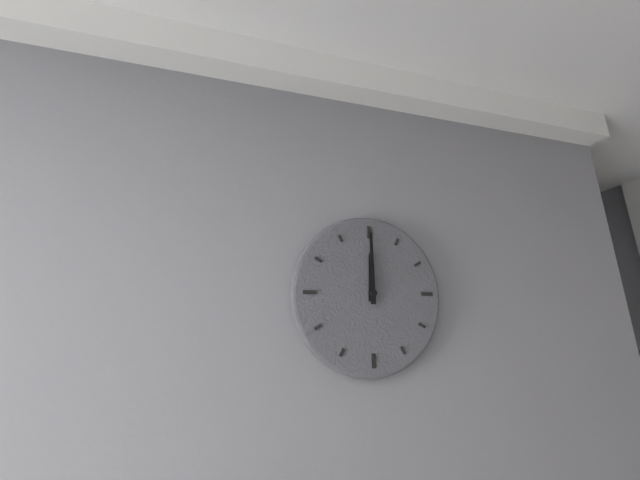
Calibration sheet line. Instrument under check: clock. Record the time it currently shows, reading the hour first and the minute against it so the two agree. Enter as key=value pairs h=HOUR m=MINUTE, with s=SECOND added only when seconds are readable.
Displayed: h=12 m=0
